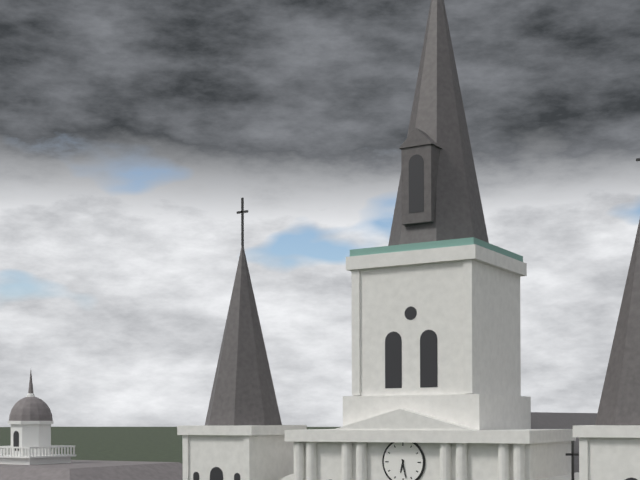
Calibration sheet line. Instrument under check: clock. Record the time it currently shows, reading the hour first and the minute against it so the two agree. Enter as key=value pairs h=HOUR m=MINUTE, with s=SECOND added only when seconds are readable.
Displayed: h=6 m=28
